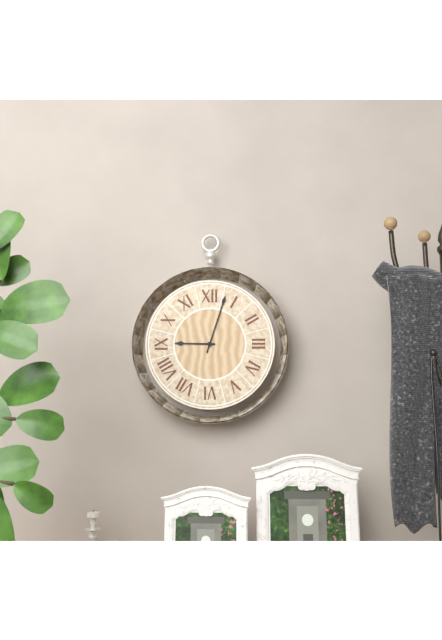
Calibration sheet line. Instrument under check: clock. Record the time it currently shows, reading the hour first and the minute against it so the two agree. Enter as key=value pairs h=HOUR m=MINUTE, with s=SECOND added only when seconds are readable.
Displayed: h=9 m=3
